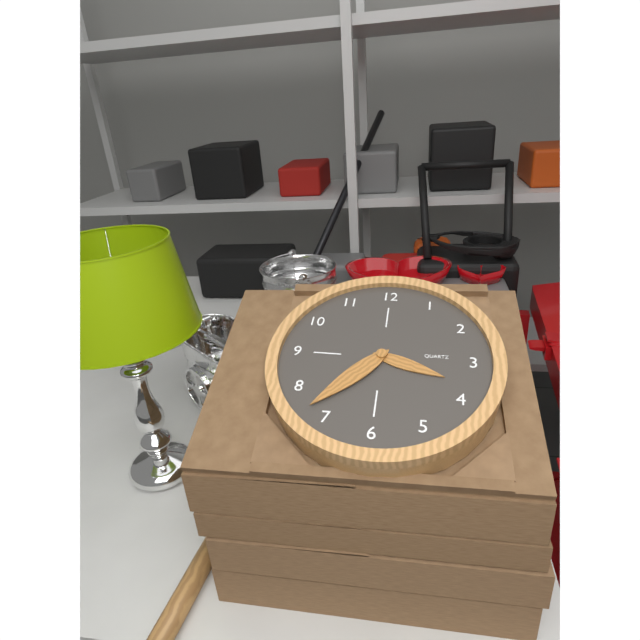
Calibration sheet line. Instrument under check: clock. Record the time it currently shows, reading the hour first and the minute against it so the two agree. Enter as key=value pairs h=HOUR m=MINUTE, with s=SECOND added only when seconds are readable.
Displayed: h=3 m=37
